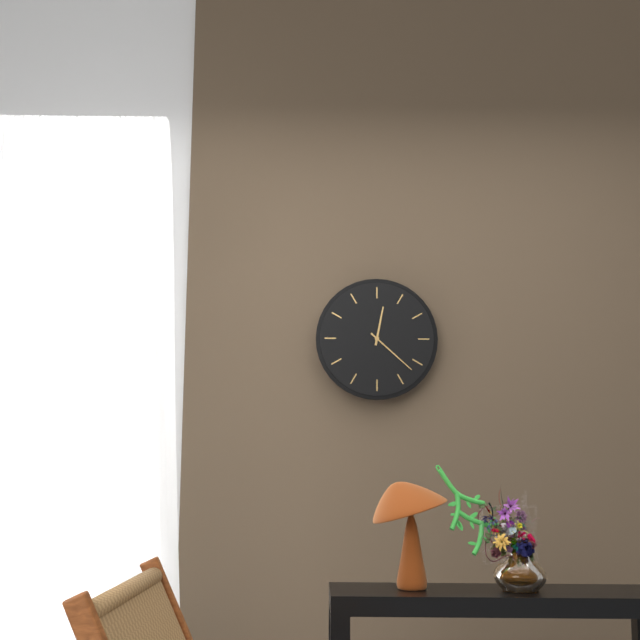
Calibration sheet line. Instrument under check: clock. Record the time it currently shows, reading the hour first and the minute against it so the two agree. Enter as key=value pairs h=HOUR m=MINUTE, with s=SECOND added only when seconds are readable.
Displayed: h=12 m=22
